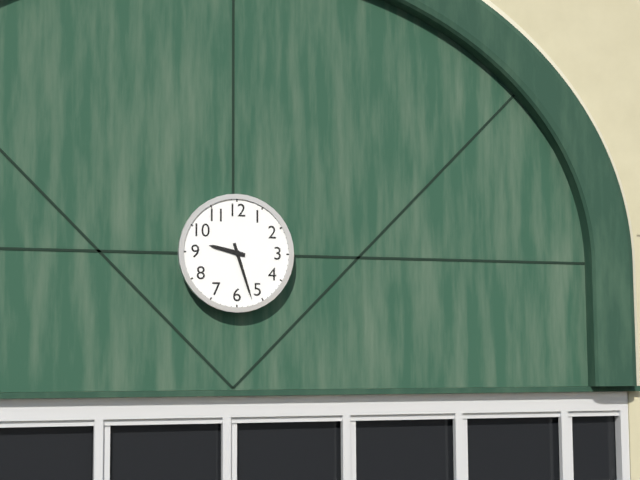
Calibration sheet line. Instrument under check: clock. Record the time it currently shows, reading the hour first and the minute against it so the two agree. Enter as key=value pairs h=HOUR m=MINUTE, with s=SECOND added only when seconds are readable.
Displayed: h=9 m=27
